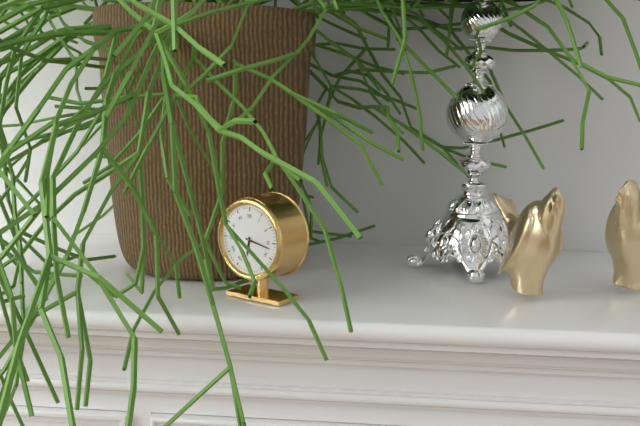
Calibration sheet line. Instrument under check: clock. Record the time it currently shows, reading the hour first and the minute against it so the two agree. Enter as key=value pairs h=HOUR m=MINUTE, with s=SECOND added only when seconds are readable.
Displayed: h=6 m=17
